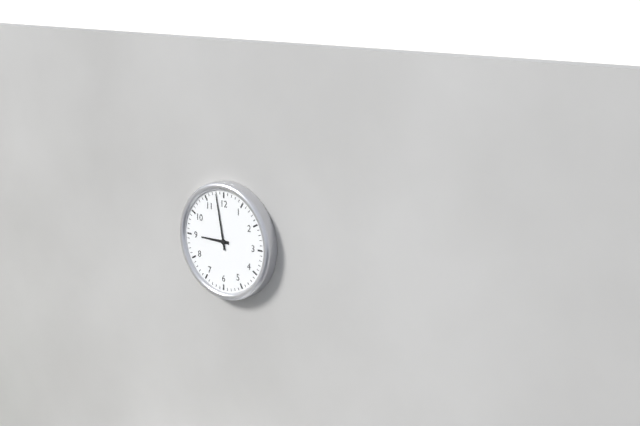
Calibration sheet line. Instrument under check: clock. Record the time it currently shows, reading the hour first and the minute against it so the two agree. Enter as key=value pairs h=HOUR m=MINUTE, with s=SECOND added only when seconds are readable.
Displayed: h=8 m=58
